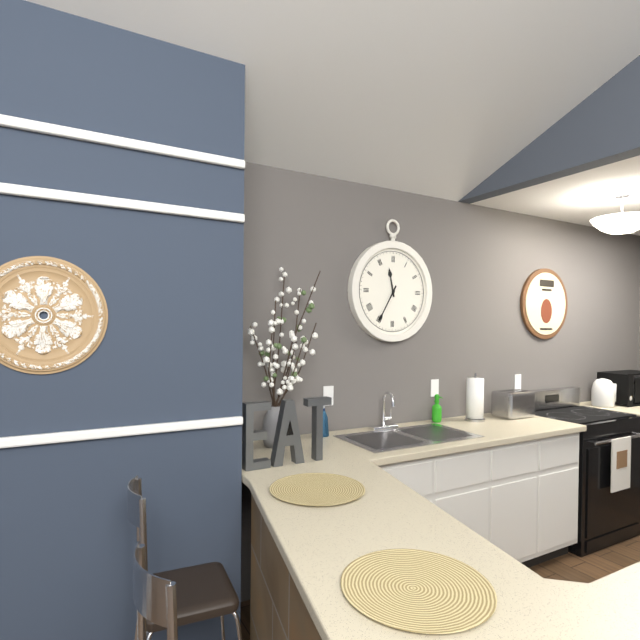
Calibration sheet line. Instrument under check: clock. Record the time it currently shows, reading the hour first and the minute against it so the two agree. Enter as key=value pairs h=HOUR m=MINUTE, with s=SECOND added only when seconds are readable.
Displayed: h=11 m=35
